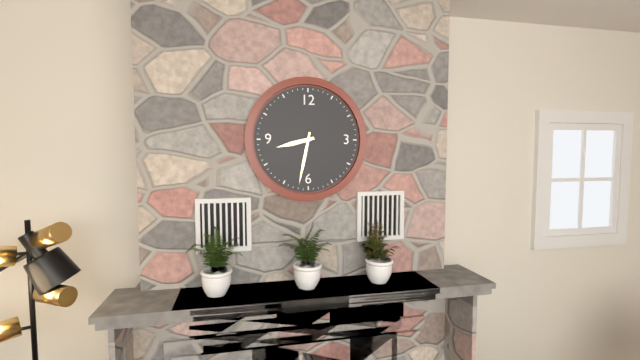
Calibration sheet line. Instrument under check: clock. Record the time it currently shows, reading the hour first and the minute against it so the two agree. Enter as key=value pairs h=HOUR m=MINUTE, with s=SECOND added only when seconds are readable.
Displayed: h=8 m=32
